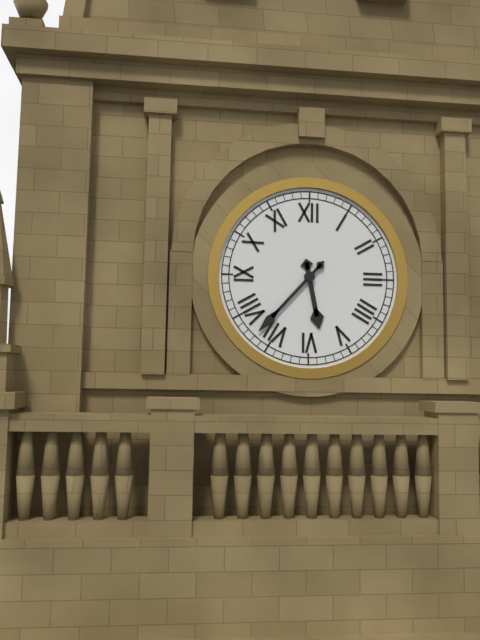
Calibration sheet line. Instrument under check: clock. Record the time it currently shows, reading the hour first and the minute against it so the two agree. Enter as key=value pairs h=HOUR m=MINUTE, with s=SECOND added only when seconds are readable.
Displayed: h=5 m=37
